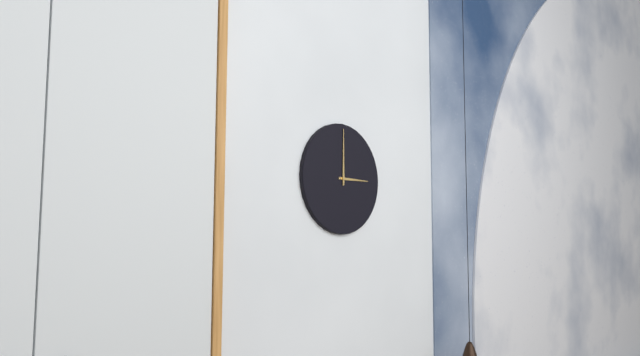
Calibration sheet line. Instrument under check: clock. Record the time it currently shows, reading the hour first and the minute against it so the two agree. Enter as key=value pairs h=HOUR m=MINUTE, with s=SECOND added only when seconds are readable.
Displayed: h=3 m=0
